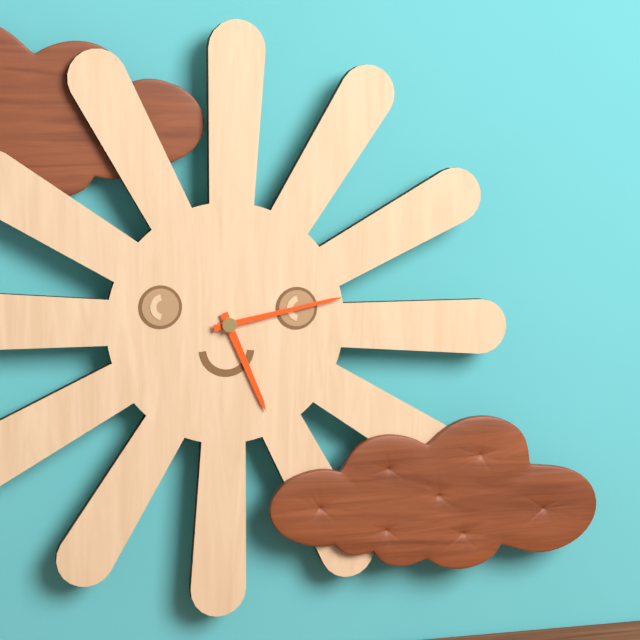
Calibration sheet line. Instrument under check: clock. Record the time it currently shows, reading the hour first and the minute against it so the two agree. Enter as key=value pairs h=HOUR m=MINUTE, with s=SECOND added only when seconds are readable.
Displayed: h=5 m=13
